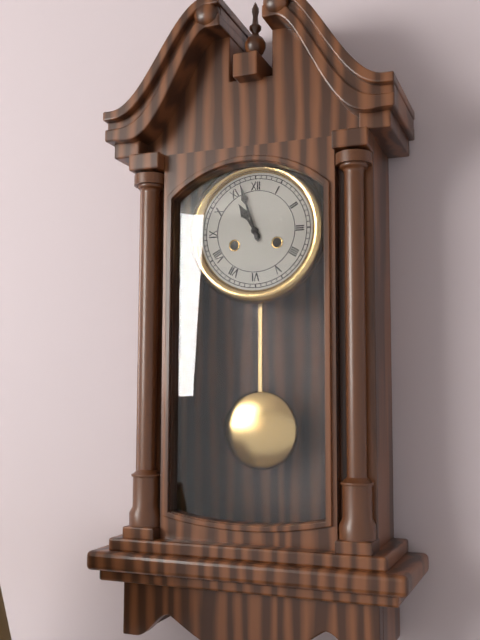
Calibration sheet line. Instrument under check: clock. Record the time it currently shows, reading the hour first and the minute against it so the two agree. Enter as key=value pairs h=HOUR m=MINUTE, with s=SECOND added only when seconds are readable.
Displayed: h=10 m=57
